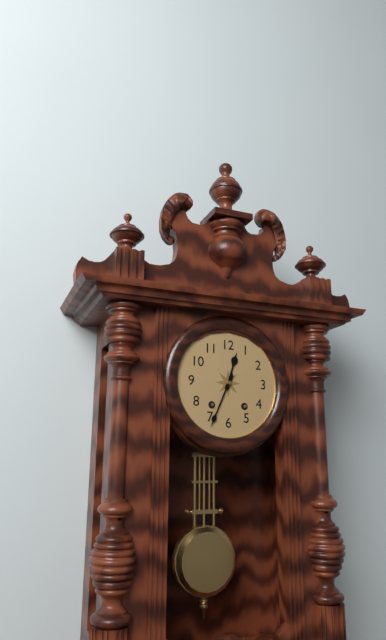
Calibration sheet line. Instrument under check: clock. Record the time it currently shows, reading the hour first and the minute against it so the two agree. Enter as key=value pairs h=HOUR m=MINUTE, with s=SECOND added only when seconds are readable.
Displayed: h=12 m=34
